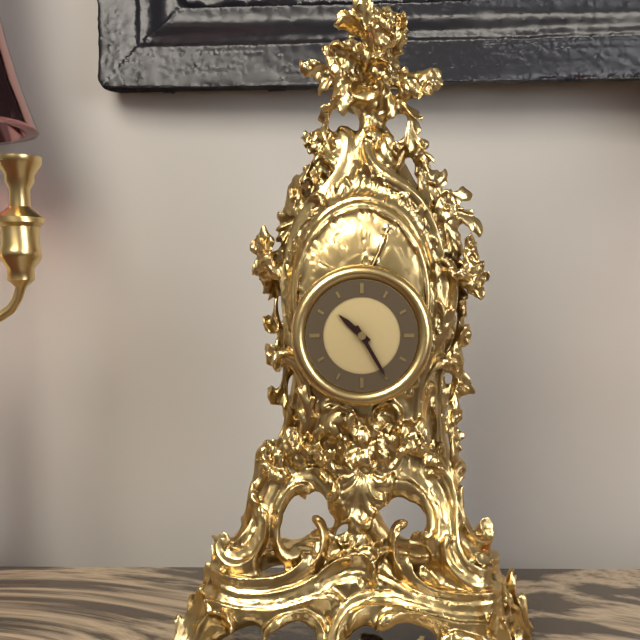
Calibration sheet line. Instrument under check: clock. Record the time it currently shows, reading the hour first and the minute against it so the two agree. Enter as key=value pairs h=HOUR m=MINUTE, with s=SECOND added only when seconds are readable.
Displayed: h=10 m=25
